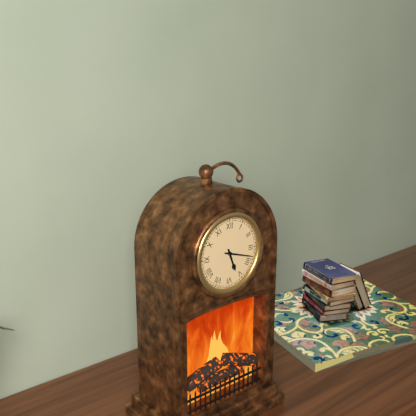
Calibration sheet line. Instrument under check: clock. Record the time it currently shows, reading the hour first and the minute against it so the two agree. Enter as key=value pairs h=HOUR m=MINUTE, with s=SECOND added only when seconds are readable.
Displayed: h=5 m=18
